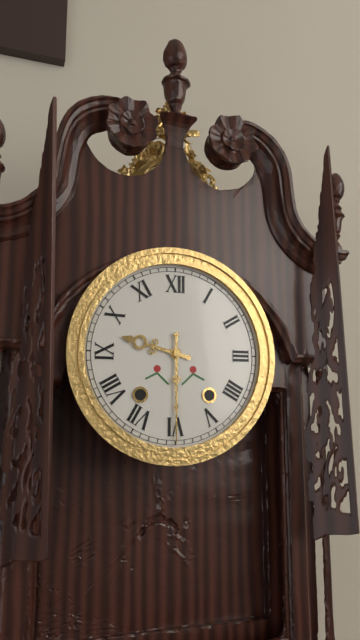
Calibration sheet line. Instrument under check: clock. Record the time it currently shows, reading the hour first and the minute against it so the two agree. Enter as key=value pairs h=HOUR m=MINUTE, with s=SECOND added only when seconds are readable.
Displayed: h=9 m=30
